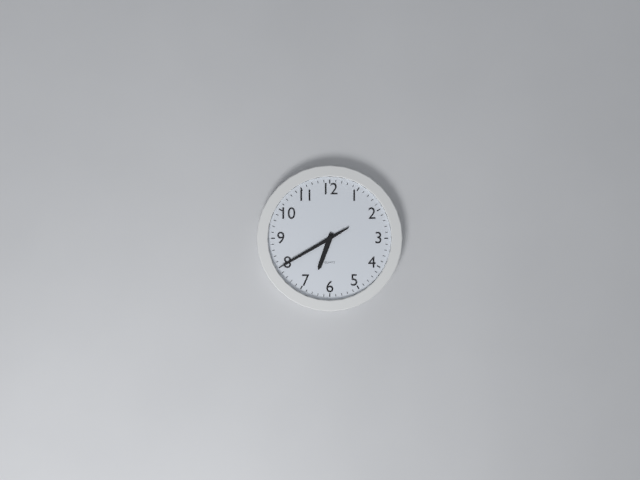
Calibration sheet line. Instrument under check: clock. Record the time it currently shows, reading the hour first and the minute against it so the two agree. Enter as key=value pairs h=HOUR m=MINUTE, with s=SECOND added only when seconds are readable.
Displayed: h=6 m=40
